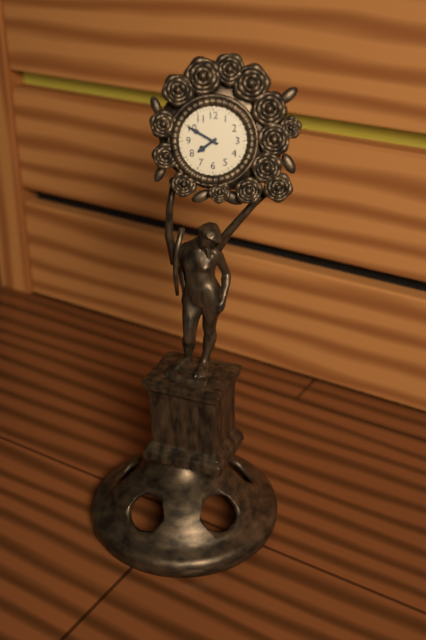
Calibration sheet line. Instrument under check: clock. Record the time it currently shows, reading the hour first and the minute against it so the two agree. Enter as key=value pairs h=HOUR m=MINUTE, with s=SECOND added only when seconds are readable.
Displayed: h=7 m=50
